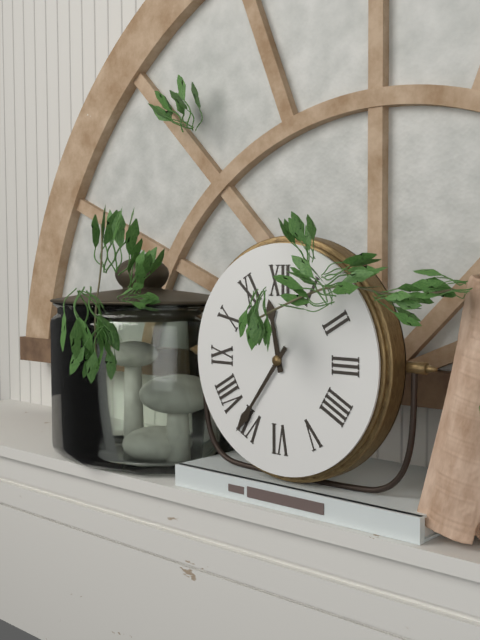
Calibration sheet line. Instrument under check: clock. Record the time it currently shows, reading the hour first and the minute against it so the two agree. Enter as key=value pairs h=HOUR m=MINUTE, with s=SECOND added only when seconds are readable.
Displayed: h=11 m=36
